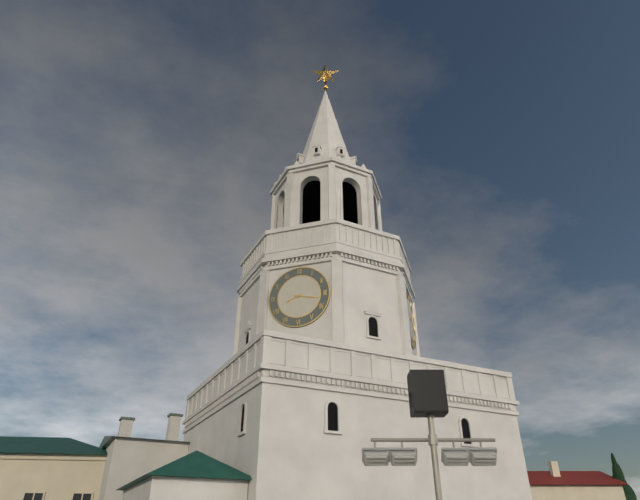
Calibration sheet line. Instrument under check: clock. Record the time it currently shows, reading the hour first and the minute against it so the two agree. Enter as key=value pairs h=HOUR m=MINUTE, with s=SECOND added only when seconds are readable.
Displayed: h=8 m=17
